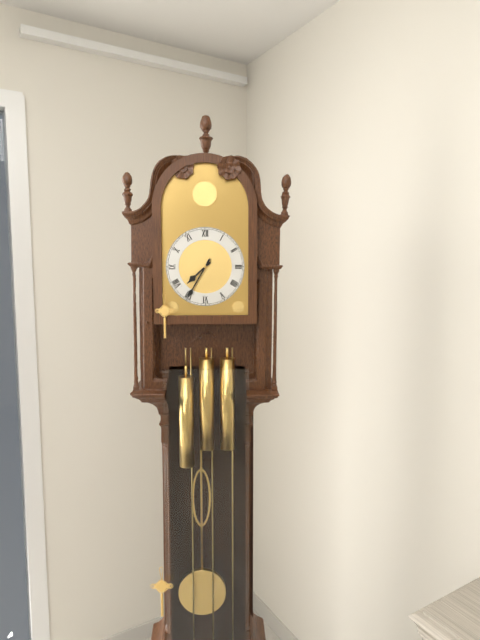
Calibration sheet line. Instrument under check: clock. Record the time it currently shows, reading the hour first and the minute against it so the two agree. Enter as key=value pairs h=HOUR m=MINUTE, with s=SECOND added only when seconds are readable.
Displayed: h=7 m=35
